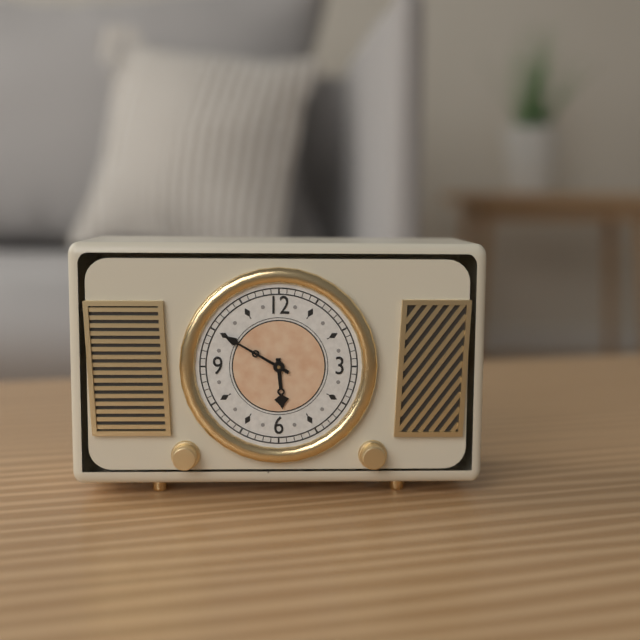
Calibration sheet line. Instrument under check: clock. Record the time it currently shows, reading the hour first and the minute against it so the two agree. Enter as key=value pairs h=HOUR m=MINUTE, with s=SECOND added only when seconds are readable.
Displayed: h=5 m=50
